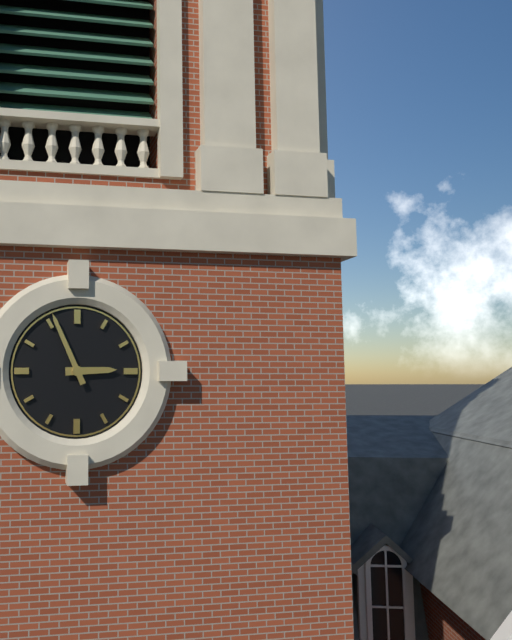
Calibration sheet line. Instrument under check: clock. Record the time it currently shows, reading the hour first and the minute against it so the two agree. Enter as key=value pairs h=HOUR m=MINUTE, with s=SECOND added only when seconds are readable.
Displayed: h=2 m=56
